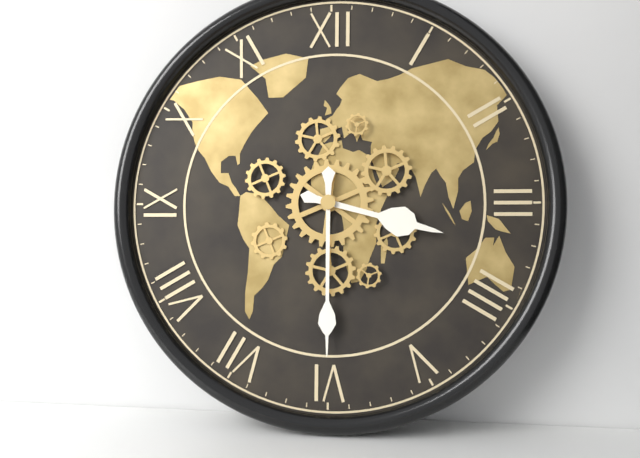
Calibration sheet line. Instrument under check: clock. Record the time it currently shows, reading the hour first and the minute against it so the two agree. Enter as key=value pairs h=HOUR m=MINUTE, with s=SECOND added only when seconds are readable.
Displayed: h=3 m=30
